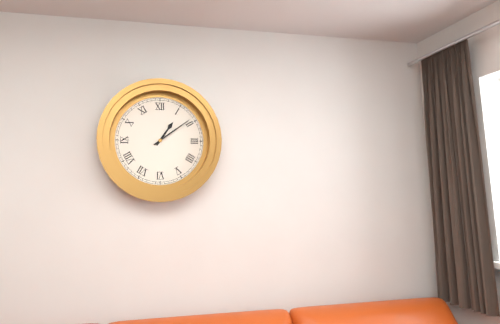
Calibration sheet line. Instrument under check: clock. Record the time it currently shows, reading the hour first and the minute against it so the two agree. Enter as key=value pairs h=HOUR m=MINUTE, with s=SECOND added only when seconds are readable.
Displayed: h=1 m=9
